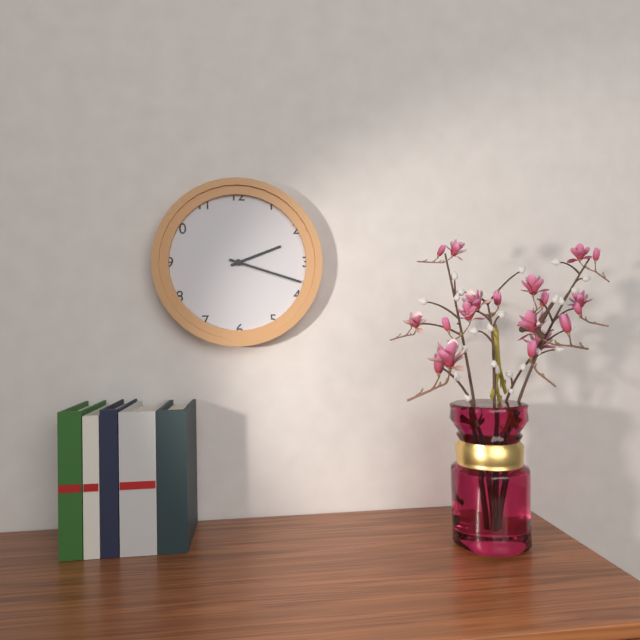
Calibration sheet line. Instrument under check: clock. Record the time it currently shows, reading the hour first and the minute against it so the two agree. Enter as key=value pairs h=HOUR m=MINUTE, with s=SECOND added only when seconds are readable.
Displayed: h=2 m=18
